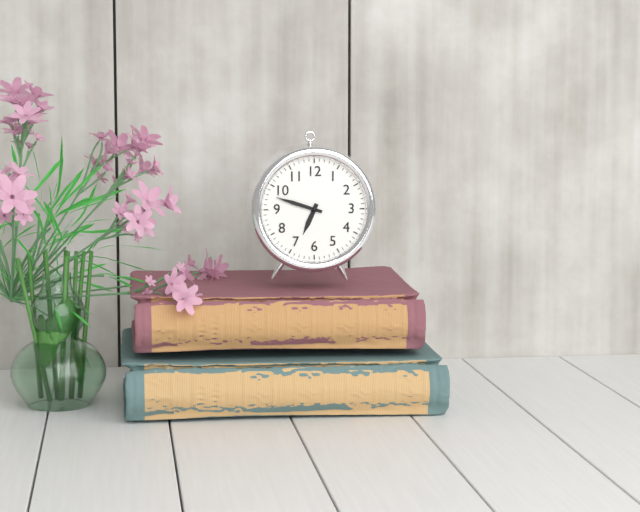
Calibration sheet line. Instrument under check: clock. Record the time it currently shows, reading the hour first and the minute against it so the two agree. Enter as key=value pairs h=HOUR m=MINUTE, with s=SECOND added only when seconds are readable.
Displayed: h=6 m=48
